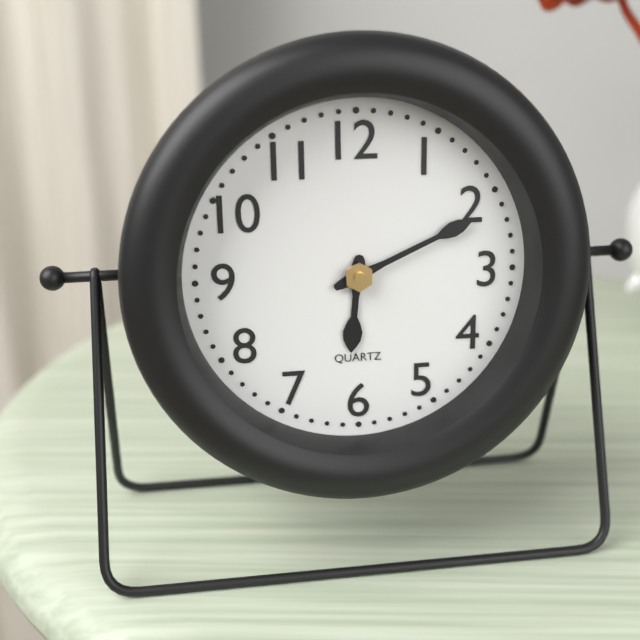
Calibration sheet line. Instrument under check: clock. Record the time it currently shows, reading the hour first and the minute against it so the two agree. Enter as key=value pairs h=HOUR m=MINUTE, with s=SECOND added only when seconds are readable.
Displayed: h=6 m=11
